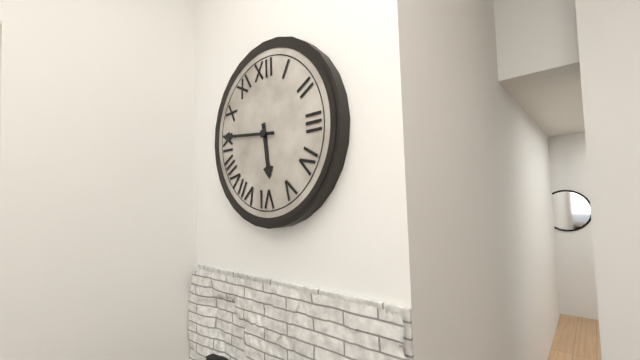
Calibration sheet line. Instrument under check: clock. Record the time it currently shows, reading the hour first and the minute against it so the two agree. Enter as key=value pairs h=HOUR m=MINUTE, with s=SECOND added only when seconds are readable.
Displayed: h=5 m=46
